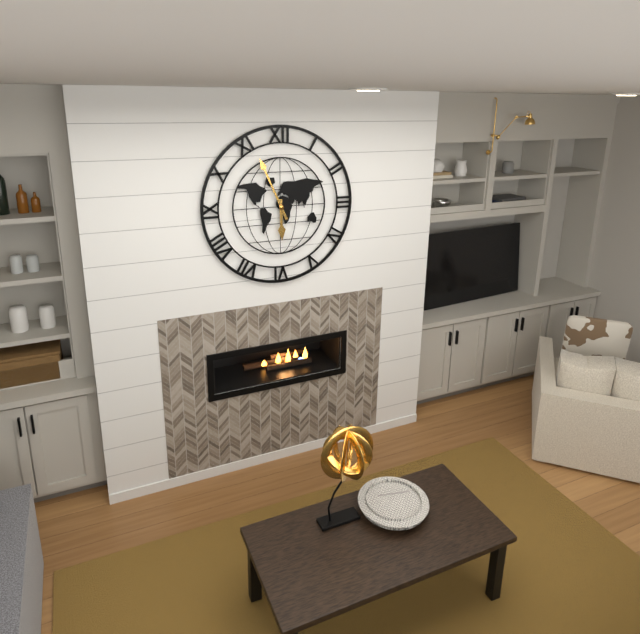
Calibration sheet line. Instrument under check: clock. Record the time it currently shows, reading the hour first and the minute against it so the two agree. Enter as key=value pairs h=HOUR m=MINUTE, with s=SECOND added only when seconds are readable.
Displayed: h=5 m=56
